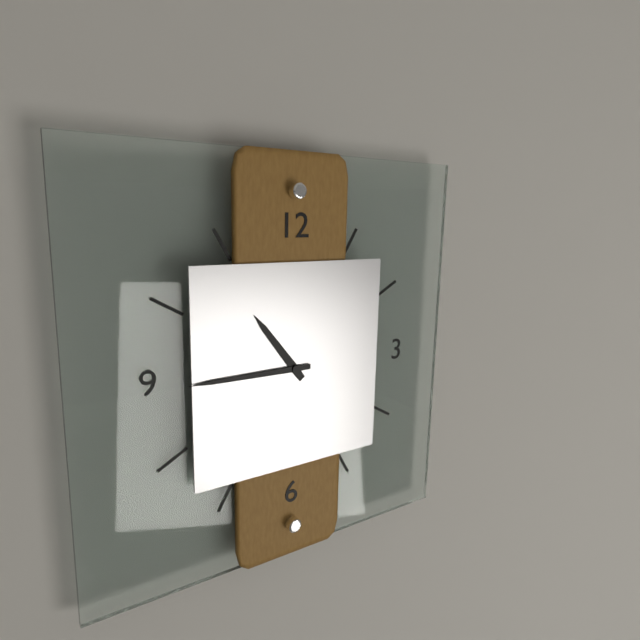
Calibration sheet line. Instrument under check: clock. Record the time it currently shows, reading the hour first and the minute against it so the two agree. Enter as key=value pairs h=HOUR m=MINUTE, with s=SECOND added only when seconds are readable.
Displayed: h=10 m=45
